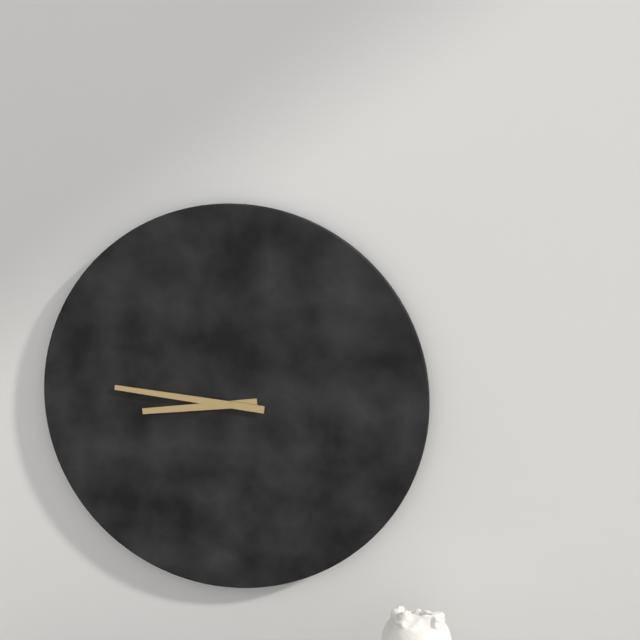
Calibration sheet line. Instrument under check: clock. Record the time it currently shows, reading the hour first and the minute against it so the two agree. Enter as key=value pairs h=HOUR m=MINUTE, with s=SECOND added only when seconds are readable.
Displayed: h=8 m=46
